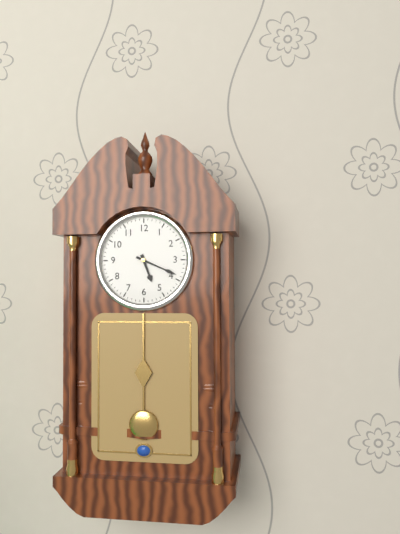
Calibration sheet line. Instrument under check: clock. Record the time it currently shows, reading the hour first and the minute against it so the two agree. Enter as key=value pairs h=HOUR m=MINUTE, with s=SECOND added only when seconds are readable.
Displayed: h=5 m=19
